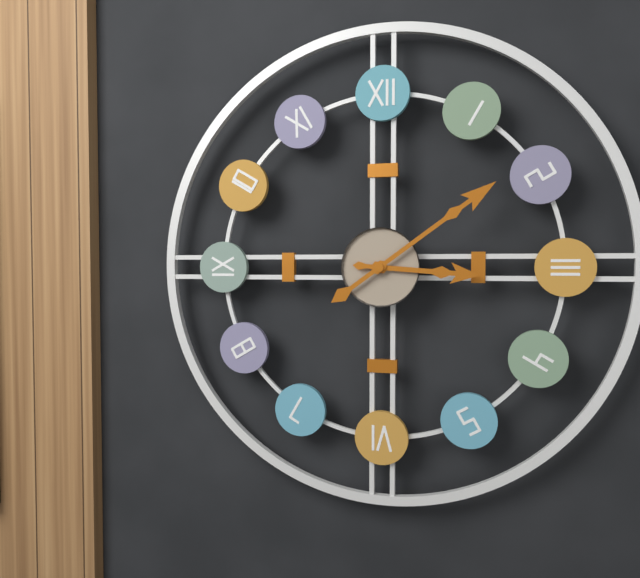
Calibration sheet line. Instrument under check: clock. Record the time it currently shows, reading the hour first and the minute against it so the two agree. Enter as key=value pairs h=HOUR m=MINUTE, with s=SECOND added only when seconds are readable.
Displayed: h=3 m=9
